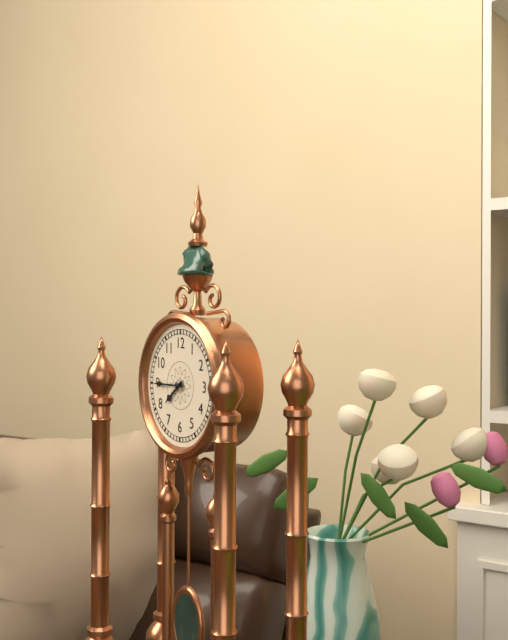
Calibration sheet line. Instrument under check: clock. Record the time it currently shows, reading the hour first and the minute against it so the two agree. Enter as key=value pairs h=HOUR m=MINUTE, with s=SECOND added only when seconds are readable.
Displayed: h=7 m=45
